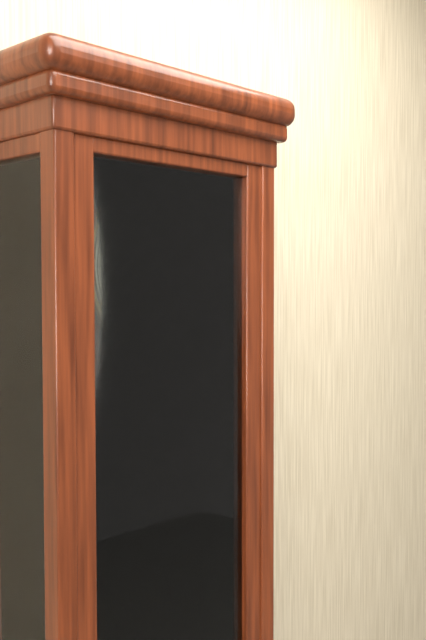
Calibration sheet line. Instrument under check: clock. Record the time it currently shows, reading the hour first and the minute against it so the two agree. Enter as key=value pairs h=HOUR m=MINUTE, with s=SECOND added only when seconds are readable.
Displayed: h=7 m=56
